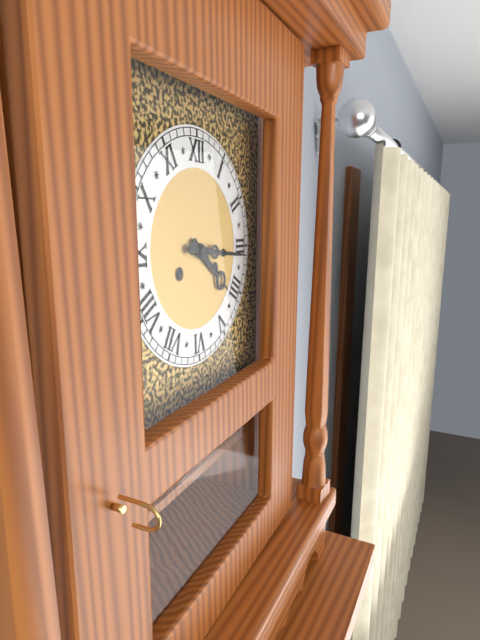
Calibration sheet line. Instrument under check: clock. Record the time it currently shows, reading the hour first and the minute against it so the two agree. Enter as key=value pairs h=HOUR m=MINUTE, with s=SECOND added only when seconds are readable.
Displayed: h=4 m=16
